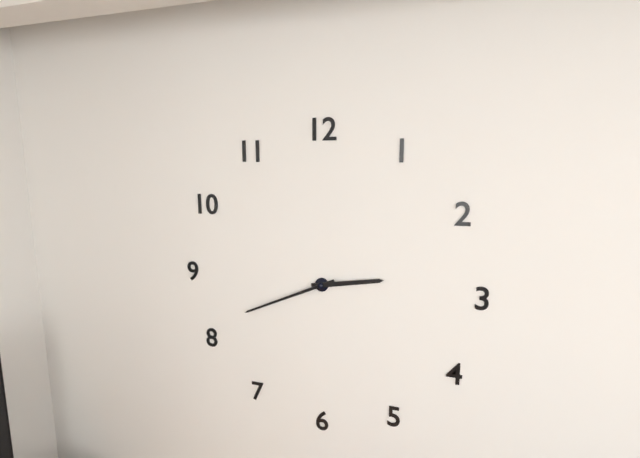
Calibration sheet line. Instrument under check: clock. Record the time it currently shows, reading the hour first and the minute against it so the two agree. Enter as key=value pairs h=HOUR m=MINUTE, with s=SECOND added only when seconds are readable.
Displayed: h=2 m=41
